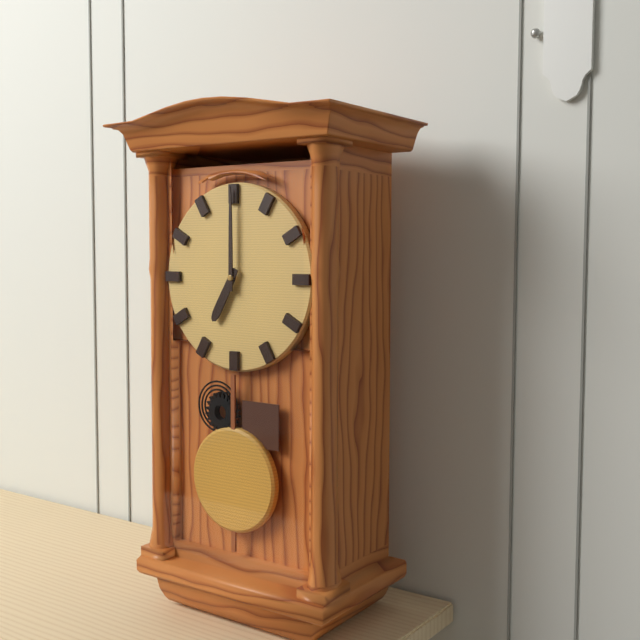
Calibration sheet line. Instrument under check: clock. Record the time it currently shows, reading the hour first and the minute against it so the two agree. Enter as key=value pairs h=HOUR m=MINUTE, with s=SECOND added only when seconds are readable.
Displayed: h=7 m=0
